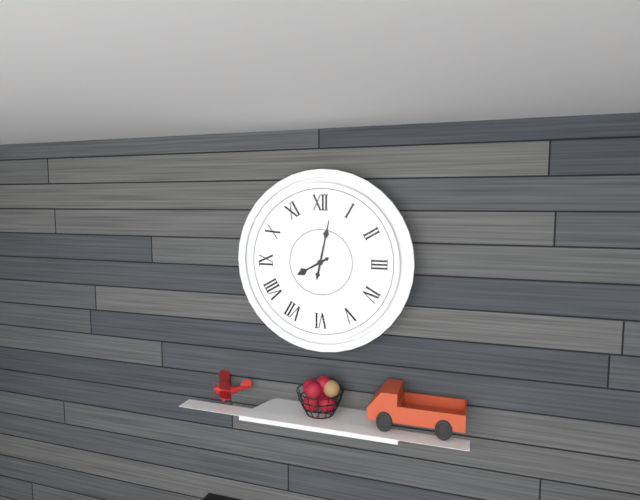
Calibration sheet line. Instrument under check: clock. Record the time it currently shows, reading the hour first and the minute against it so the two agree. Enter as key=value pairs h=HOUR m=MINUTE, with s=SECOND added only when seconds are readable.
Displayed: h=8 m=2
